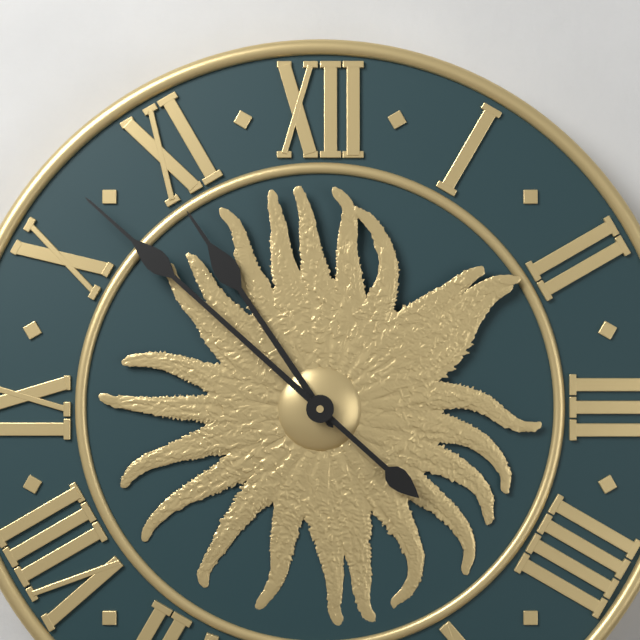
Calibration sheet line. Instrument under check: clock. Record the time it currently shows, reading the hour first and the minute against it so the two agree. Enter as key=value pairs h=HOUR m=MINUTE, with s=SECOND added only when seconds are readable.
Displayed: h=10 m=52
